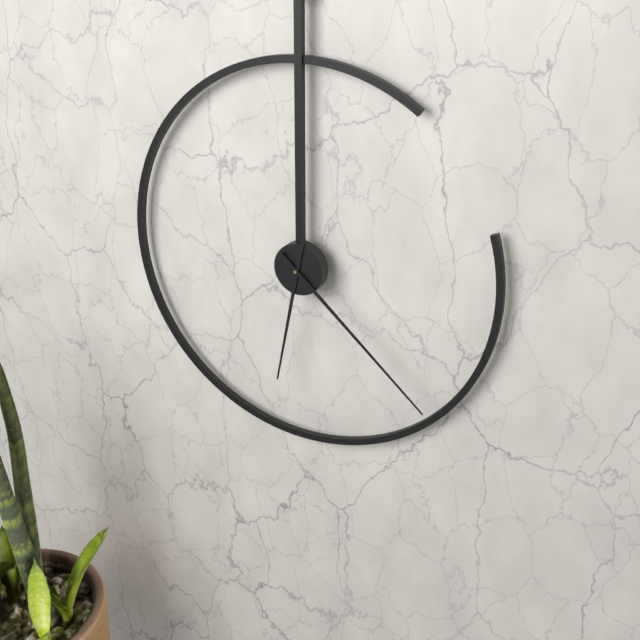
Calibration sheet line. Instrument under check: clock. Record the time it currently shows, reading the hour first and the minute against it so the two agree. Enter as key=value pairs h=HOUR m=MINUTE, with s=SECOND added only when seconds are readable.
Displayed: h=6 m=22
